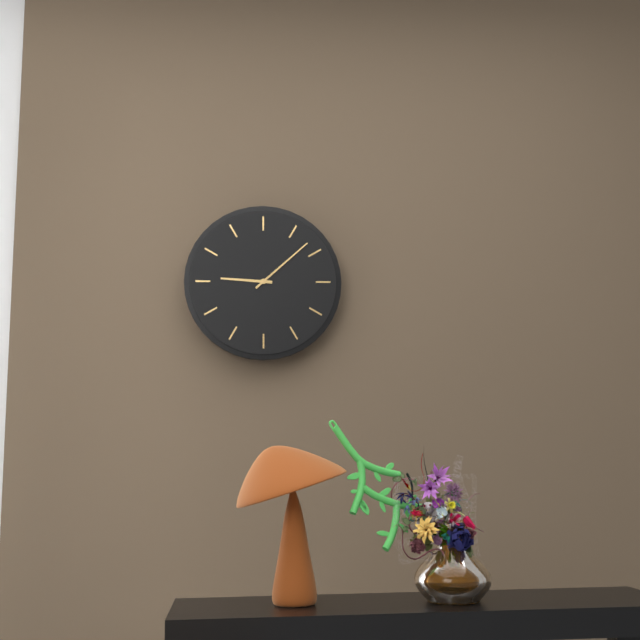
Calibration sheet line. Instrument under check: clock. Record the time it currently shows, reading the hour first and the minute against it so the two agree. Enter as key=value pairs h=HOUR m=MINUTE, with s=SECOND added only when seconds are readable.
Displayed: h=9 m=8
